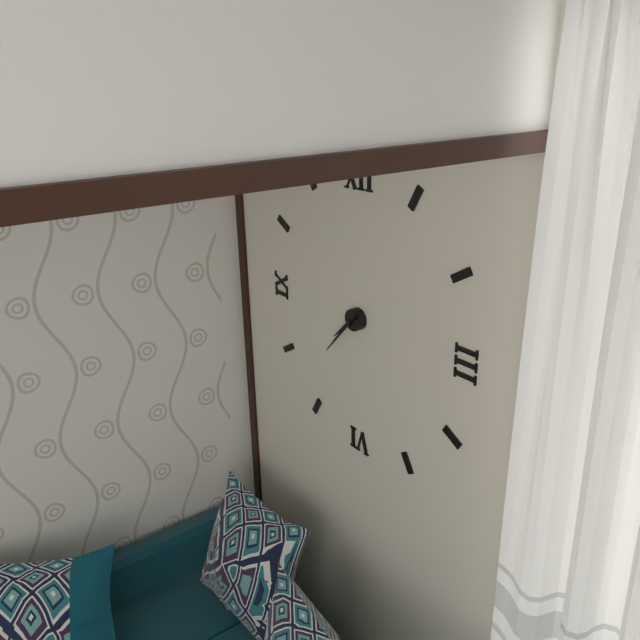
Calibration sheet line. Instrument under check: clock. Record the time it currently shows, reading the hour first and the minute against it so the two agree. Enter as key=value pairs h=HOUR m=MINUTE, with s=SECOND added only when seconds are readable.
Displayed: h=7 m=37
